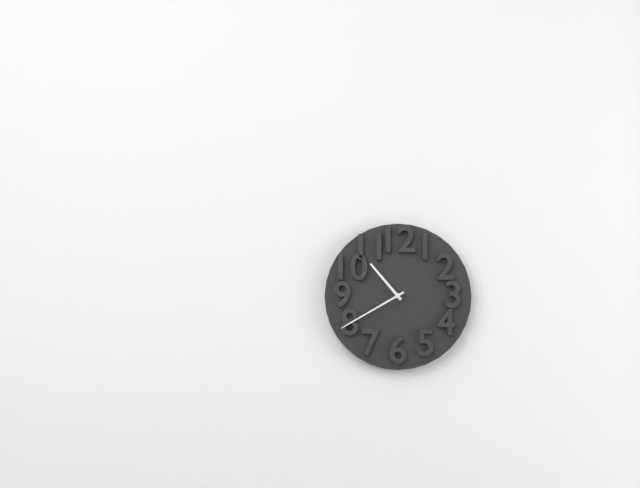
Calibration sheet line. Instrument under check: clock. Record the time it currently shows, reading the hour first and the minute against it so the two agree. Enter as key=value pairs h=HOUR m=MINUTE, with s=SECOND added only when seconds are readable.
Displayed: h=10 m=40
